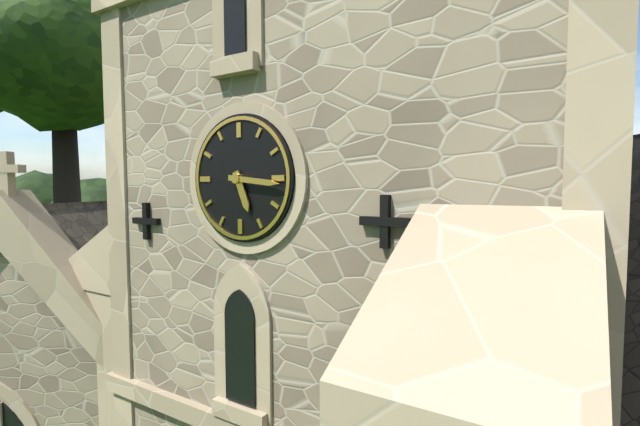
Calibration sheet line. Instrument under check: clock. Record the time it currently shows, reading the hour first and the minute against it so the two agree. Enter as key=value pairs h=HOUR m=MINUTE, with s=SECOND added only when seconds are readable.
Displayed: h=5 m=16
